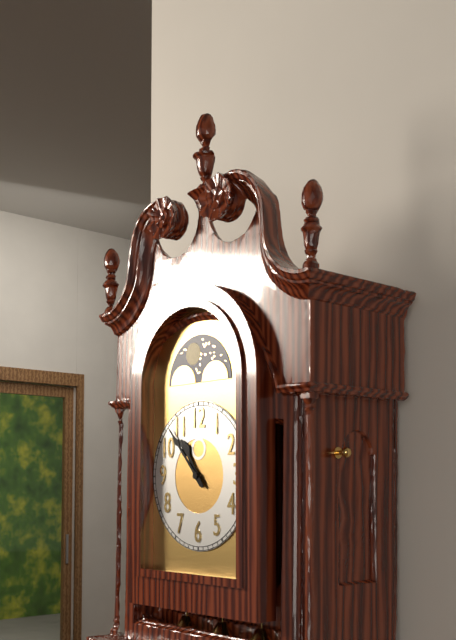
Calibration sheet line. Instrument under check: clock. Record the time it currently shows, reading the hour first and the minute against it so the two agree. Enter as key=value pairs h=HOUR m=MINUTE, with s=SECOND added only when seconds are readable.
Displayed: h=10 m=53
